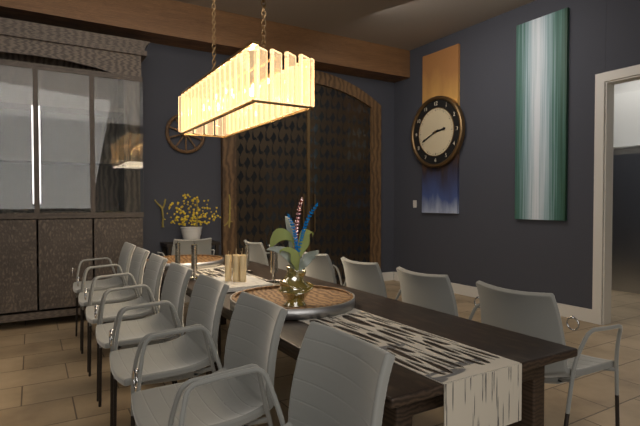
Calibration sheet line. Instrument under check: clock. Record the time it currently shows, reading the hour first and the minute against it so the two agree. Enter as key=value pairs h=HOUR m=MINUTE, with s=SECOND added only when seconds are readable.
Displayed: h=2 m=41
